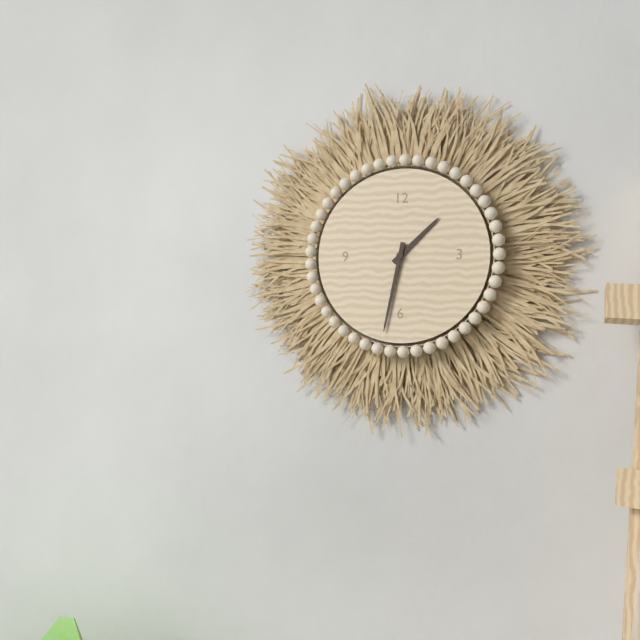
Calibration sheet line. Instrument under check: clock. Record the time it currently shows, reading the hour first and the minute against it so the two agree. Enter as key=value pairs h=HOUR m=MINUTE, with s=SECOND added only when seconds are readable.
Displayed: h=1 m=32
